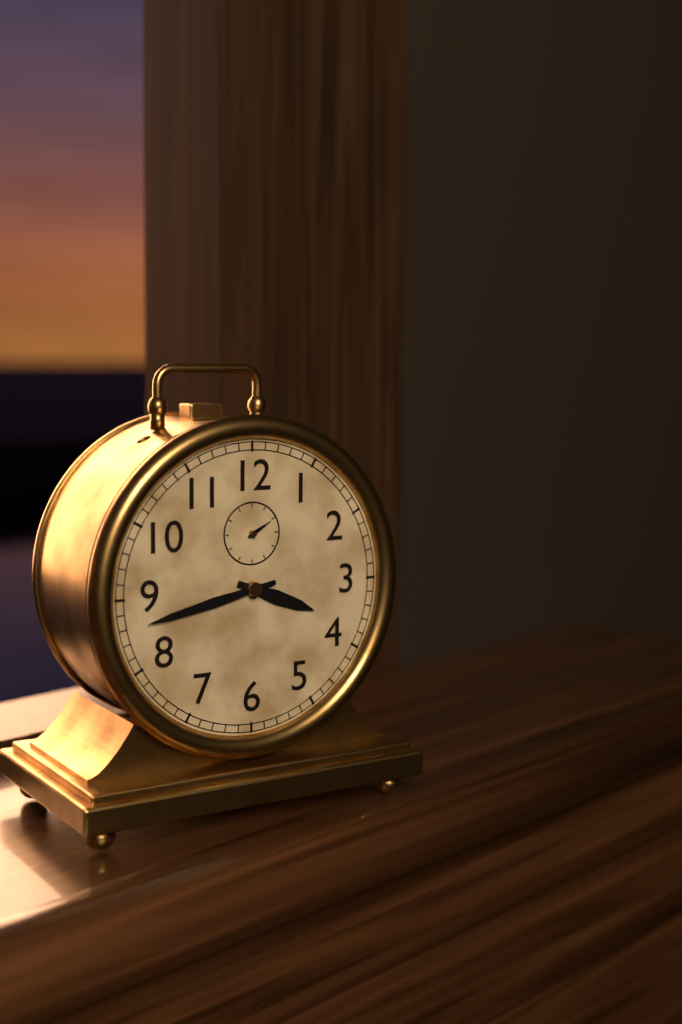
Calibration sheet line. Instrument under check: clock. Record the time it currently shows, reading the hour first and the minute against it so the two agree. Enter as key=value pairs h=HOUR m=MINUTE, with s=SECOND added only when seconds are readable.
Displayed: h=3 m=43
